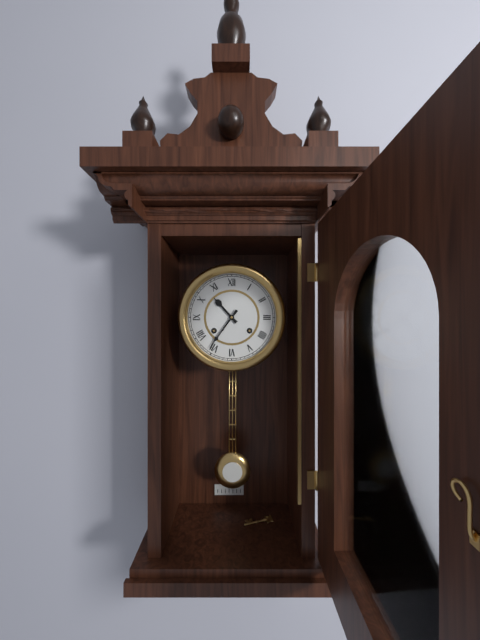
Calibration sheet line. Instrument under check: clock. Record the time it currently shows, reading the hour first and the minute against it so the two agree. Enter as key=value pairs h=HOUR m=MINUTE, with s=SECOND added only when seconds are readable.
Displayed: h=10 m=36
